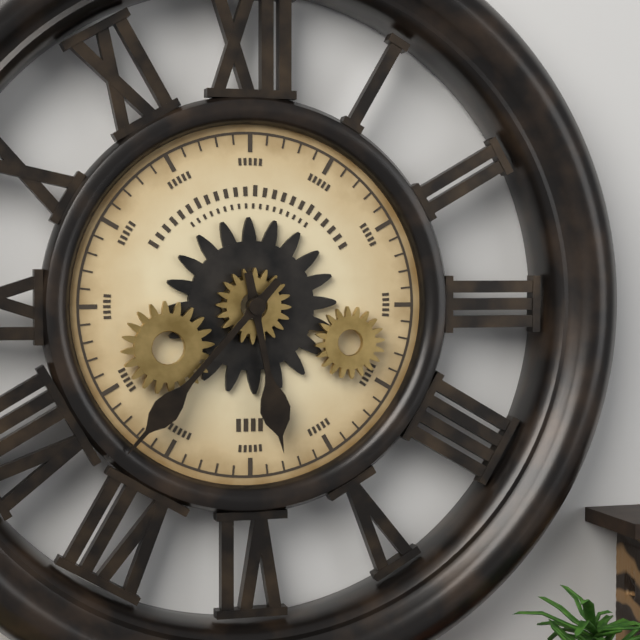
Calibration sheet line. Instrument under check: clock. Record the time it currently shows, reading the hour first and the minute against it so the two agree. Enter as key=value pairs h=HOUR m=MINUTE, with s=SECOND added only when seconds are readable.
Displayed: h=5 m=37
